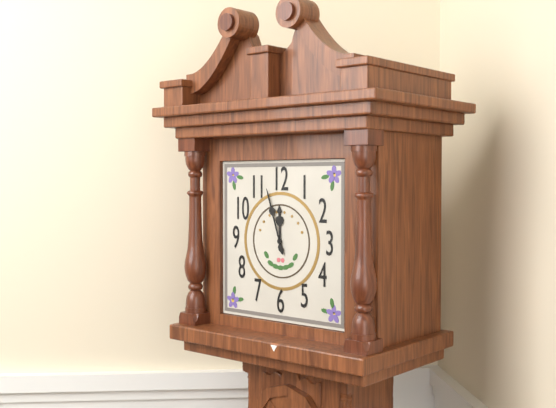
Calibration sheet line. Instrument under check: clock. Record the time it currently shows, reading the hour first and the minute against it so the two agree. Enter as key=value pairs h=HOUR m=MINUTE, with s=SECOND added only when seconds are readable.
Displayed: h=11 m=57
